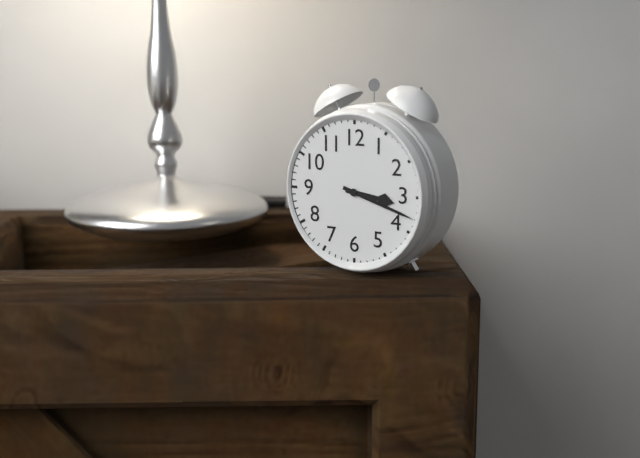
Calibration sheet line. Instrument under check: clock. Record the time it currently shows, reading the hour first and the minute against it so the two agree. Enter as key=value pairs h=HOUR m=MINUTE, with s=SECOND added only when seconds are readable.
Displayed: h=3 m=18
